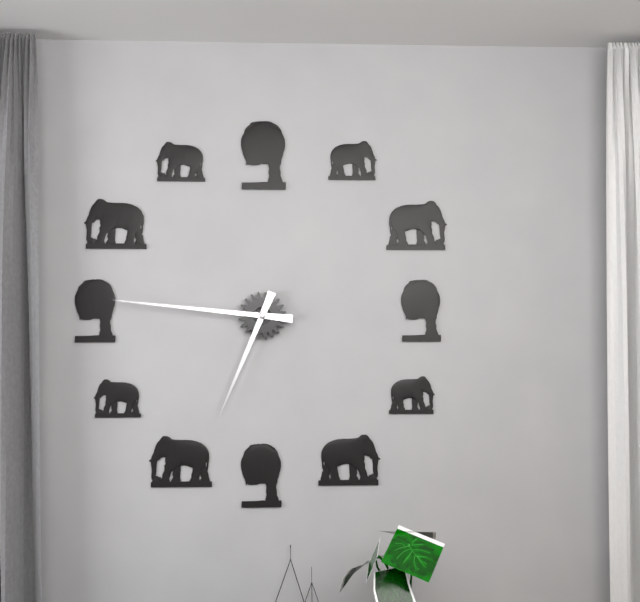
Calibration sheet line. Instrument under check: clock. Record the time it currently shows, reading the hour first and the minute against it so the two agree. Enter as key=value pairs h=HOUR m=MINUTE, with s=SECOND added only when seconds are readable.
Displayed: h=6 m=46
